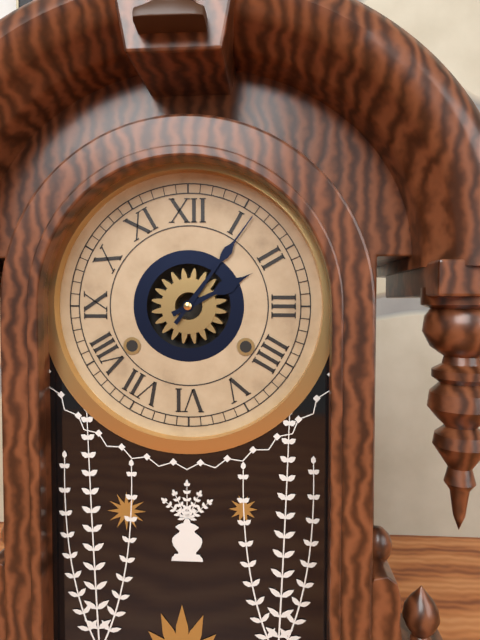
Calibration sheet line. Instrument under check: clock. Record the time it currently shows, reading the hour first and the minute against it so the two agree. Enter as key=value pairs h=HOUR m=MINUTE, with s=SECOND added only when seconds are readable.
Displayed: h=2 m=6
